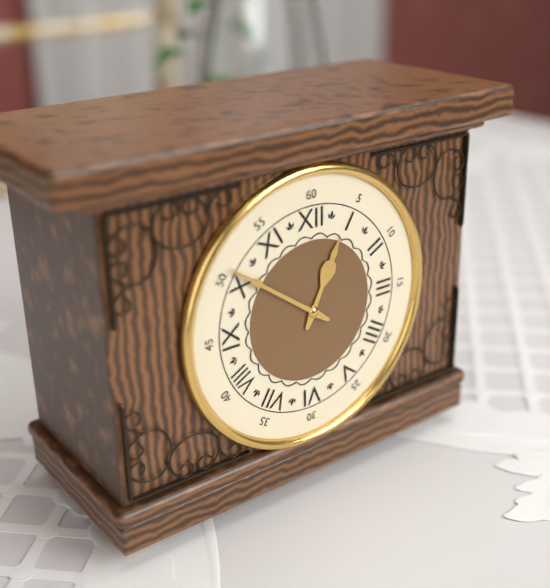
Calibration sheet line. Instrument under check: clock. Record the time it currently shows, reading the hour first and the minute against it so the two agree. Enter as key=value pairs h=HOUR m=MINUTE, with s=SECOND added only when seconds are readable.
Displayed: h=12 m=51
